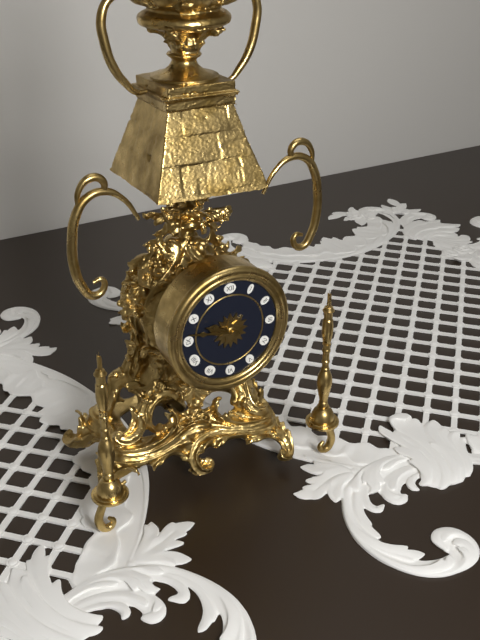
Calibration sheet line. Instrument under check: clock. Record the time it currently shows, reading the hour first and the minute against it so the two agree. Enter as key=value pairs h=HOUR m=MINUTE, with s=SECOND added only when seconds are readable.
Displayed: h=9 m=47
